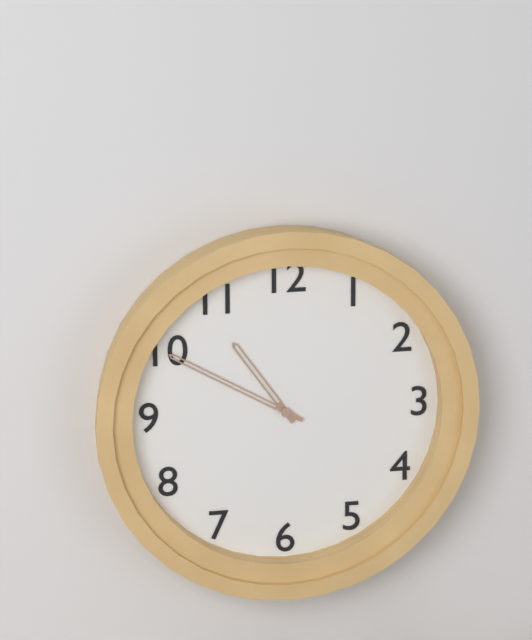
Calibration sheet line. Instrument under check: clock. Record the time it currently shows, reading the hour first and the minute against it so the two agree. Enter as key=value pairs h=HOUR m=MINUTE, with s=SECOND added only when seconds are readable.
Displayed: h=10 m=50
